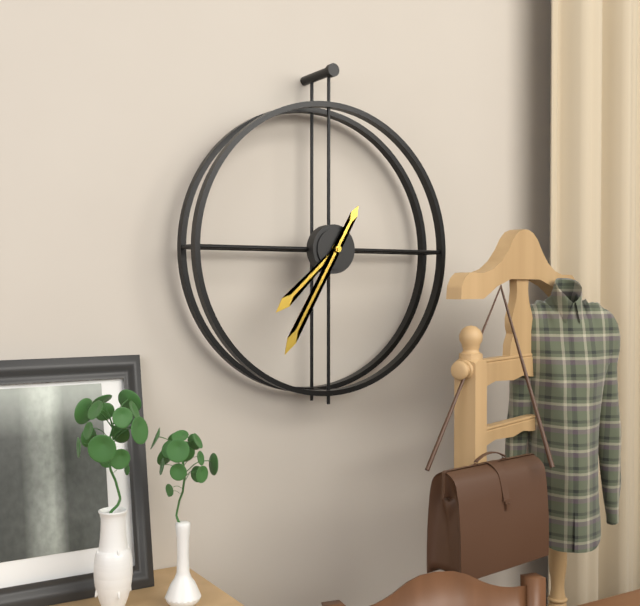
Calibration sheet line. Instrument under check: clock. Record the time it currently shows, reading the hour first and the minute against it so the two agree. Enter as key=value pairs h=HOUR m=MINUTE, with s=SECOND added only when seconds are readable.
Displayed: h=7 m=35
